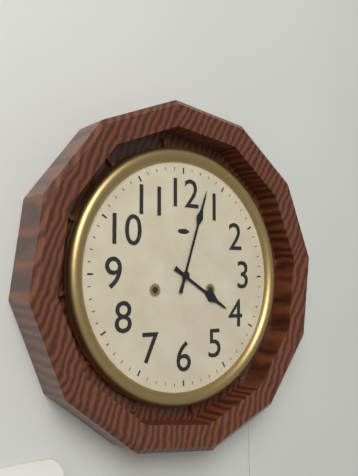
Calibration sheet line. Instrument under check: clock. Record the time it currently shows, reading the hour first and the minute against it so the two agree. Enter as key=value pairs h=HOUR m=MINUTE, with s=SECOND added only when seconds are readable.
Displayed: h=4 m=3
